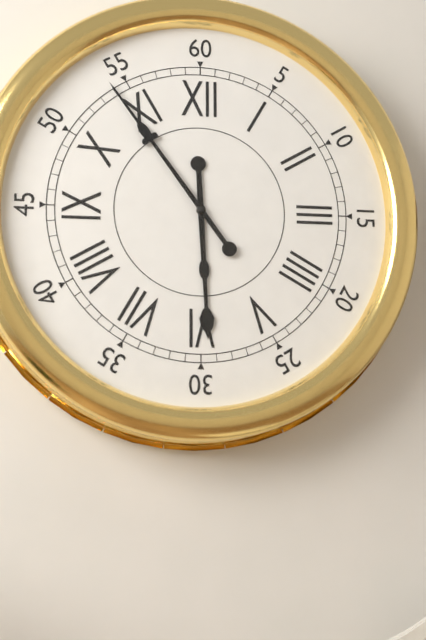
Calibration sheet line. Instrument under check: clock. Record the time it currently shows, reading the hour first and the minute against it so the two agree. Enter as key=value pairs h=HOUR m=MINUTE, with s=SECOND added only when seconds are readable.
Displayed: h=5 m=54
